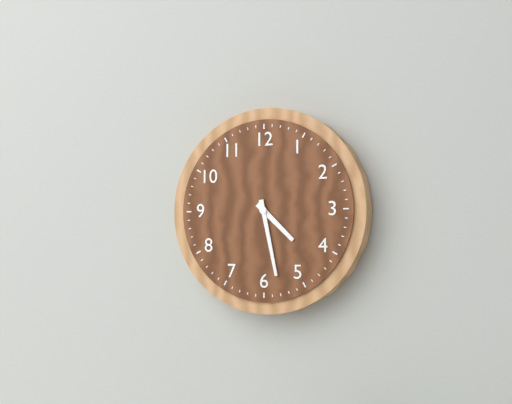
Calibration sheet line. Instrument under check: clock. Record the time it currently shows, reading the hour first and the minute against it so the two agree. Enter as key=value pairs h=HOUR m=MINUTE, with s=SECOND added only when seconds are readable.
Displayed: h=4 m=28
